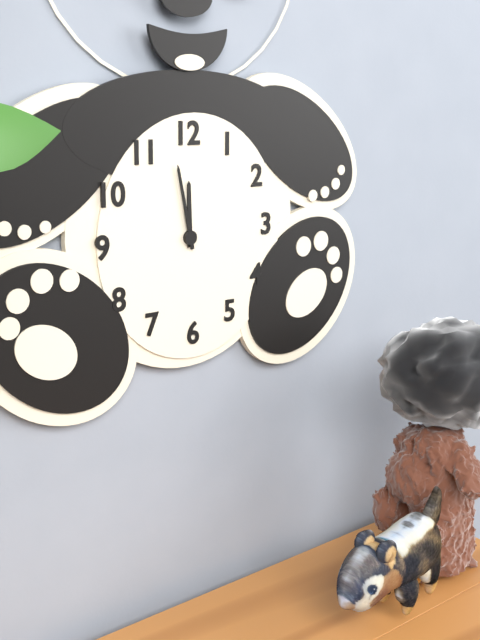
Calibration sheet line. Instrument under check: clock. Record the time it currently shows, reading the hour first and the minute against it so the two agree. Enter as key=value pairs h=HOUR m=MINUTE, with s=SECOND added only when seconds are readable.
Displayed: h=11 m=58
